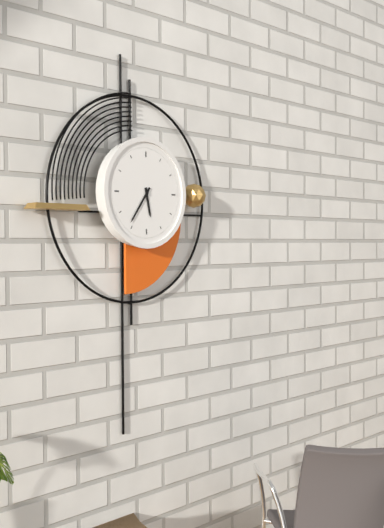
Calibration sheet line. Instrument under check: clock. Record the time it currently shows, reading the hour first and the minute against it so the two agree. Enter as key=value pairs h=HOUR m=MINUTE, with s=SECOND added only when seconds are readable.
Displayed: h=5 m=36
